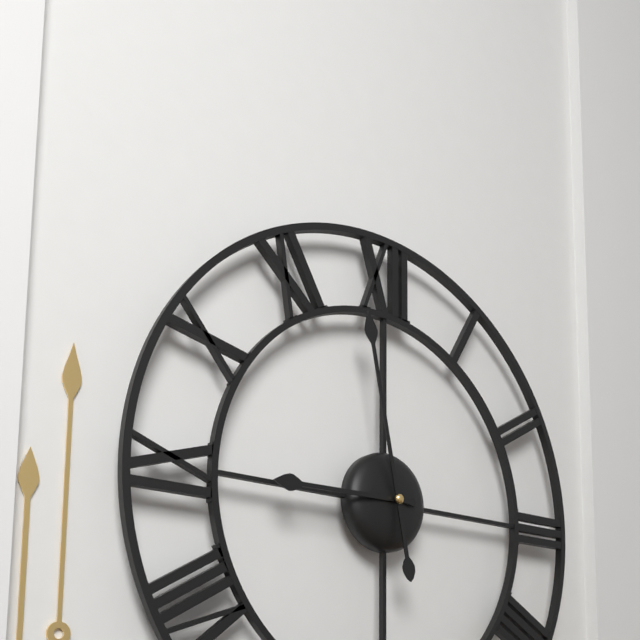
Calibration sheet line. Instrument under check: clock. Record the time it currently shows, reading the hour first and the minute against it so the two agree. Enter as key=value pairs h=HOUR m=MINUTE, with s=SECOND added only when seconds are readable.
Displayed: h=8 m=58
